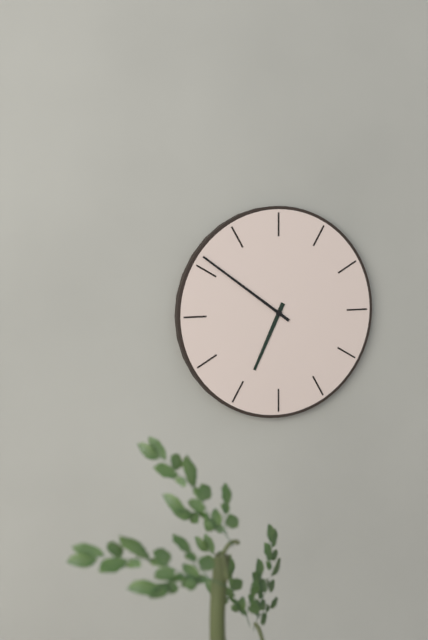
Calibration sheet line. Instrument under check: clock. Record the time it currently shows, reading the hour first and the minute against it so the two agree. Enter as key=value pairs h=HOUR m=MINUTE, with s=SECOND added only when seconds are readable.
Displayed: h=6 m=51
